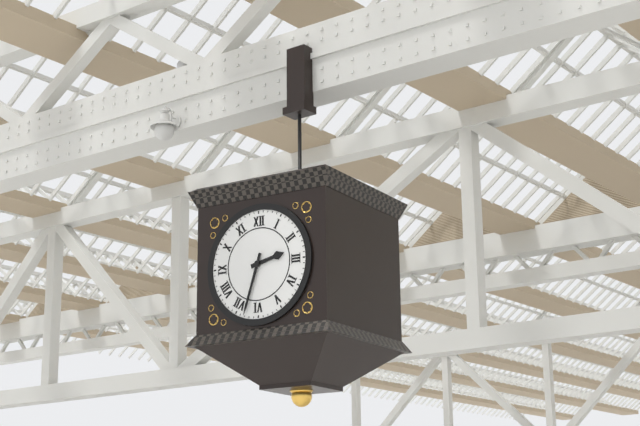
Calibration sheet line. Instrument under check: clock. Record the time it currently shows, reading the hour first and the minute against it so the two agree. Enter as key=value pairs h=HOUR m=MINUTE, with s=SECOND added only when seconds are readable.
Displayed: h=2 m=33
